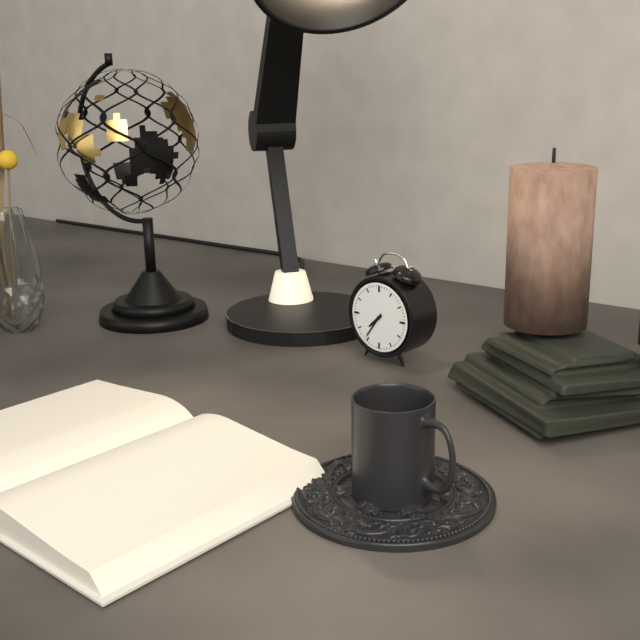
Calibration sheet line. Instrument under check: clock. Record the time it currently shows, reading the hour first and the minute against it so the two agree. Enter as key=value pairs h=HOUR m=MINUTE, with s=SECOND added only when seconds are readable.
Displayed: h=7 m=36
